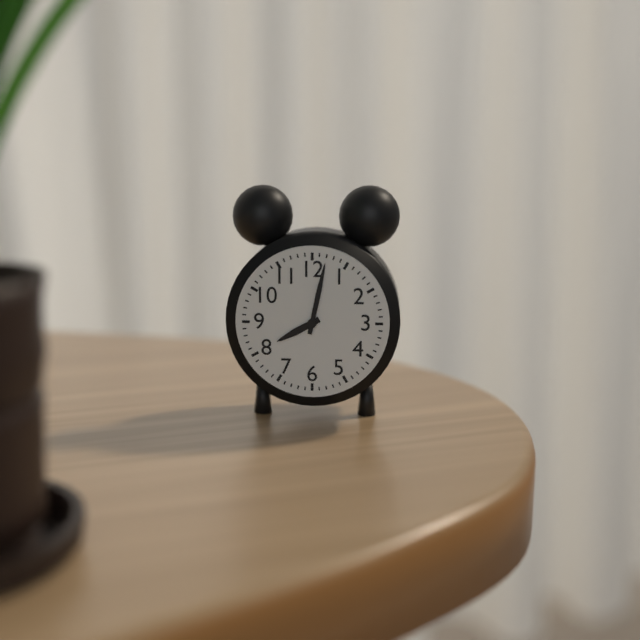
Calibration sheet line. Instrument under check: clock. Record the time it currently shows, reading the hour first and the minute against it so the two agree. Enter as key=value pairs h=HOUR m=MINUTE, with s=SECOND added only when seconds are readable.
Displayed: h=8 m=2
